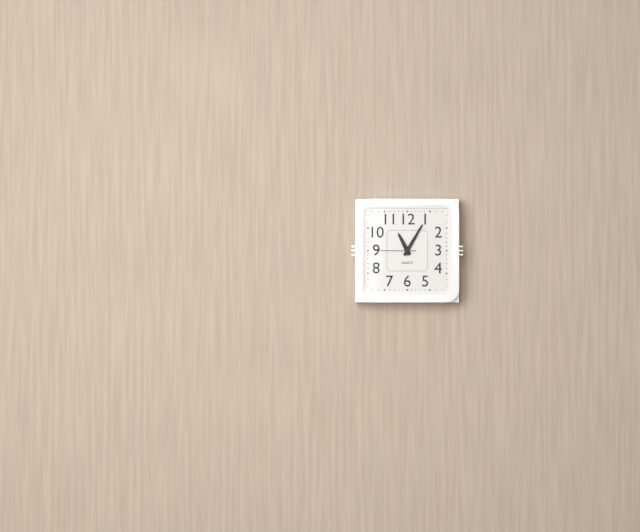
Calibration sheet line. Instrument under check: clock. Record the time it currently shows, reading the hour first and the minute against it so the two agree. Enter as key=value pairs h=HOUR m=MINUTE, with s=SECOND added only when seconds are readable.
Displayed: h=11 m=5
